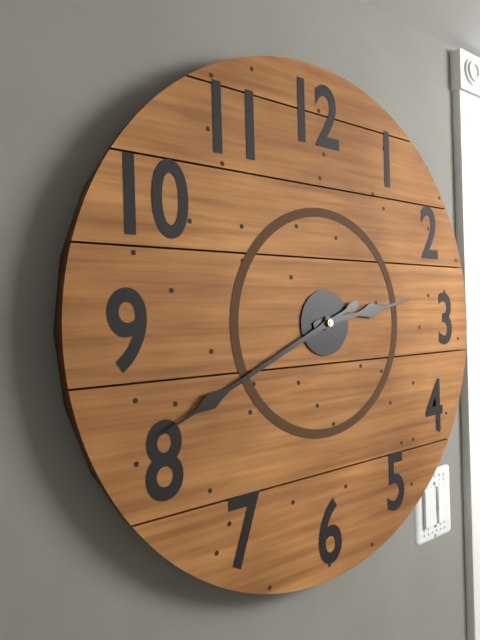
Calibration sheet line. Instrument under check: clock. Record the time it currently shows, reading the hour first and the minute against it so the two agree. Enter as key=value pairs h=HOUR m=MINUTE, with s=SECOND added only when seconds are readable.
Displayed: h=2 m=41
